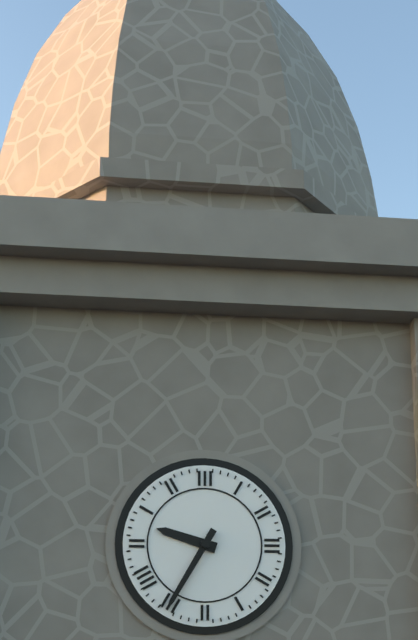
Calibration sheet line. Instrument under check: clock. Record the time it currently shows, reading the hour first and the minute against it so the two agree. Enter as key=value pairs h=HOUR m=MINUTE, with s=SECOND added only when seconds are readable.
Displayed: h=9 m=35
